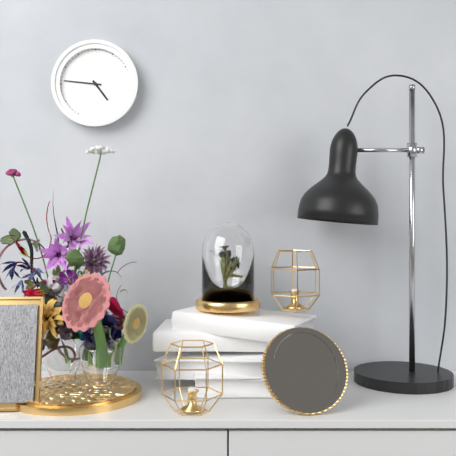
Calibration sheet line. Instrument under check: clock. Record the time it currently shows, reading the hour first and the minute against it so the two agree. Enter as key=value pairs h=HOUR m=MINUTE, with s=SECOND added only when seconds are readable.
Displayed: h=4 m=46
